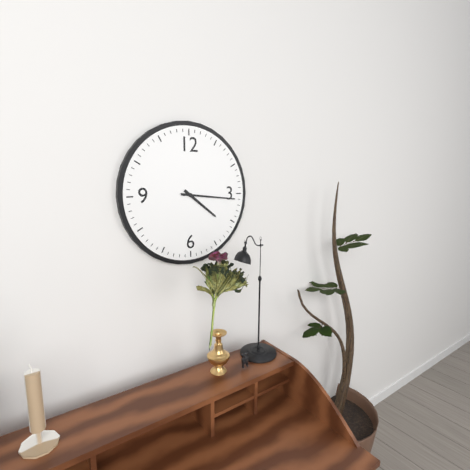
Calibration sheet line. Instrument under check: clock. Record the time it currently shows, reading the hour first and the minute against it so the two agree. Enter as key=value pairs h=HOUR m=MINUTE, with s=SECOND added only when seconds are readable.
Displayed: h=4 m=16
